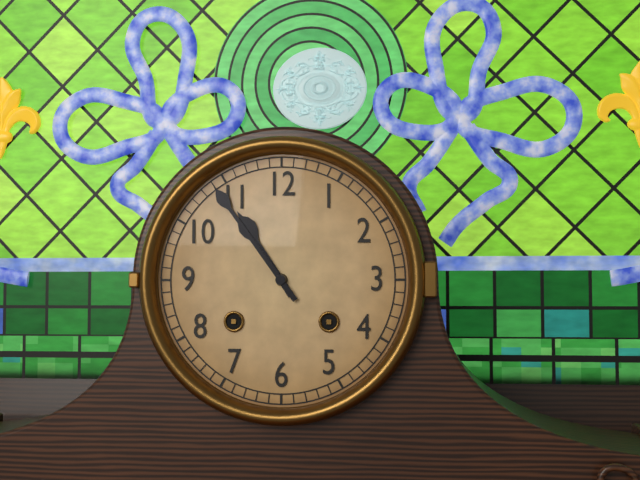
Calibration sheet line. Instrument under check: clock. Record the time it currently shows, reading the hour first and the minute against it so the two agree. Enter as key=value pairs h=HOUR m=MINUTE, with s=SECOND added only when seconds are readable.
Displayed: h=10 m=54
